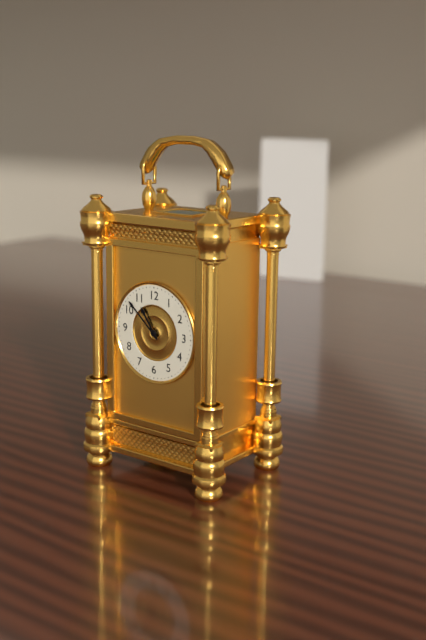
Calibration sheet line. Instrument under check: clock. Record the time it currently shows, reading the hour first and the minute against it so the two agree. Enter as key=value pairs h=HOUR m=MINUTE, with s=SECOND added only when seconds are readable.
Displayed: h=10 m=52
